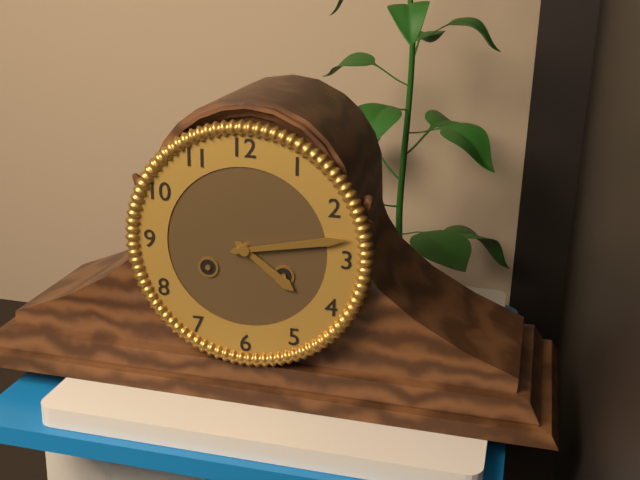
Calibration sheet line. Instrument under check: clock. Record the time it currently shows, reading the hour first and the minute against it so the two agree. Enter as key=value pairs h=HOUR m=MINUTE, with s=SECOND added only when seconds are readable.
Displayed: h=4 m=13
